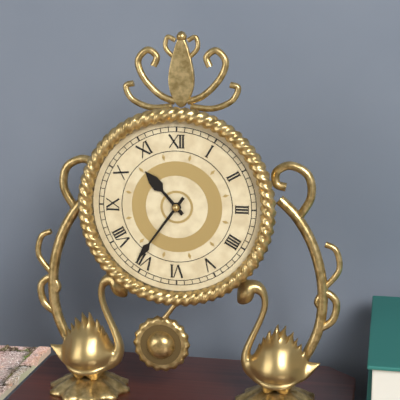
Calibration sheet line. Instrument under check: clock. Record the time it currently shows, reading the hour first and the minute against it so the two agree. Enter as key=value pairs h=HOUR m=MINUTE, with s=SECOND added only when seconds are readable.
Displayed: h=10 m=36
